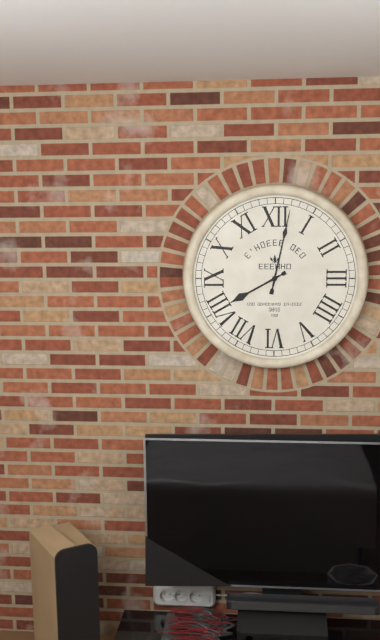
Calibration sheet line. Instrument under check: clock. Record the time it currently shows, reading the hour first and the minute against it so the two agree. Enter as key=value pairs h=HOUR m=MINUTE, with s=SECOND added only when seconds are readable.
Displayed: h=8 m=2
